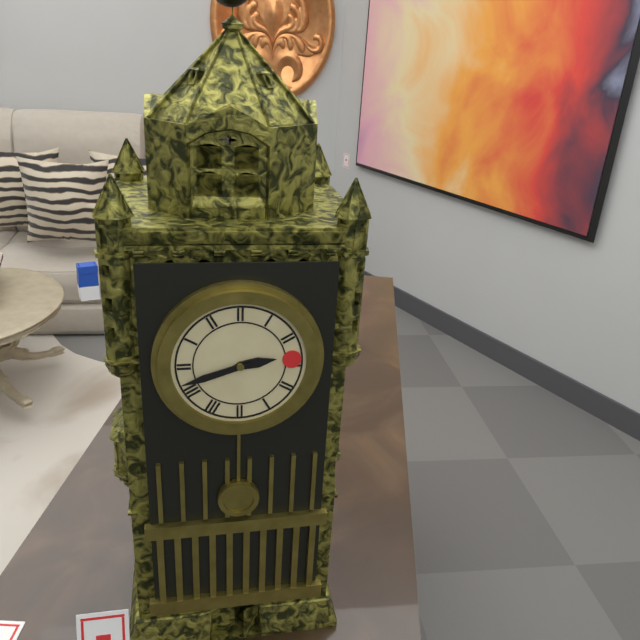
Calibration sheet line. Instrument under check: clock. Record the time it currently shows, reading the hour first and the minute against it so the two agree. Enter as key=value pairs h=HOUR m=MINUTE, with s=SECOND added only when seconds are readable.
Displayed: h=2 m=42
